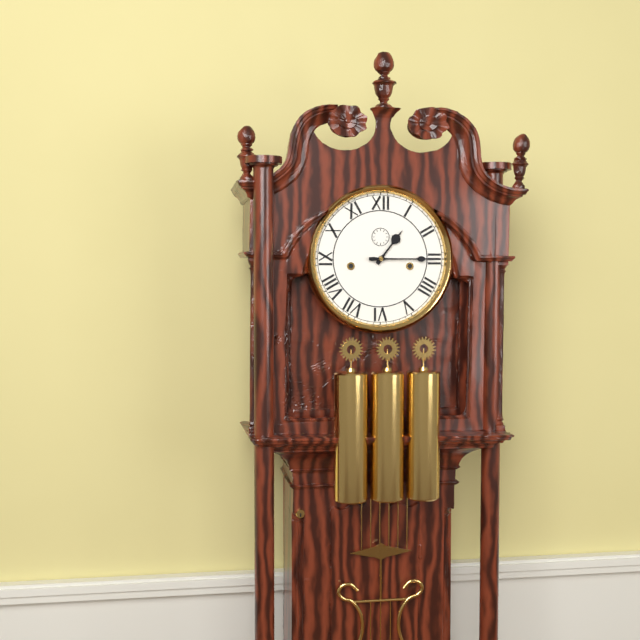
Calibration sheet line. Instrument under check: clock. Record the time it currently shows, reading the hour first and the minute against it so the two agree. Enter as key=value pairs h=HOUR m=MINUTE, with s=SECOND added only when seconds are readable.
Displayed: h=1 m=15
